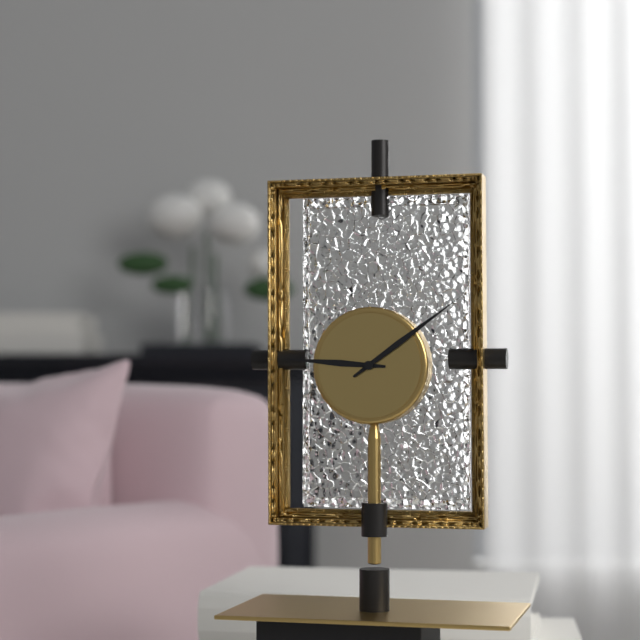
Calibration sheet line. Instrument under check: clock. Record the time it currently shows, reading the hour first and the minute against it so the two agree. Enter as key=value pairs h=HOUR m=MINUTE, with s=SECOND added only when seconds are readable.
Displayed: h=9 m=9
